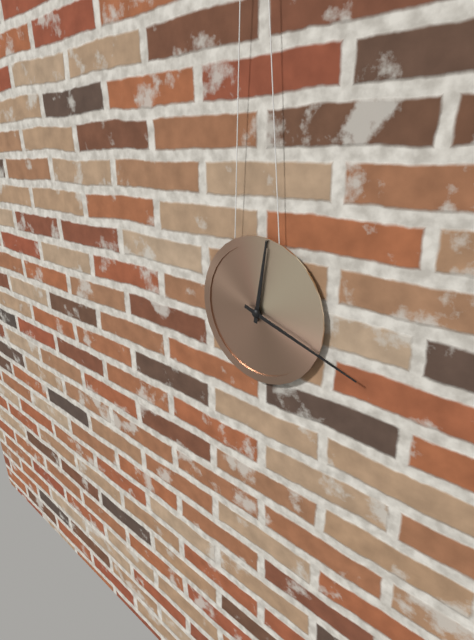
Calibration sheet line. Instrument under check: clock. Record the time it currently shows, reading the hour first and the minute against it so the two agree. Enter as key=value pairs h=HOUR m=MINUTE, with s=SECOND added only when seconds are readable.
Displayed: h=12 m=18
